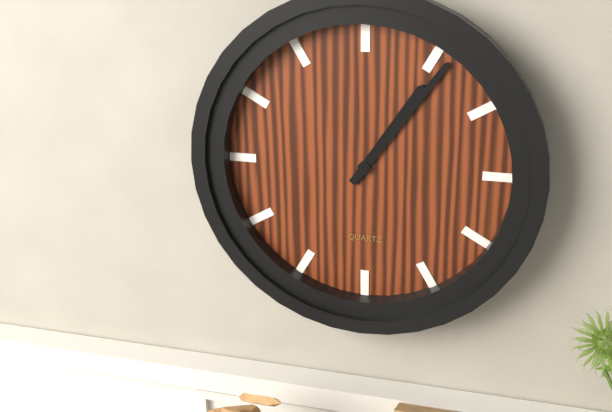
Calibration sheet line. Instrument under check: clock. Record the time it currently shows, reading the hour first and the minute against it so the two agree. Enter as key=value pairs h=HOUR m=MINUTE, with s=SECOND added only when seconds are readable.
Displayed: h=1 m=6
